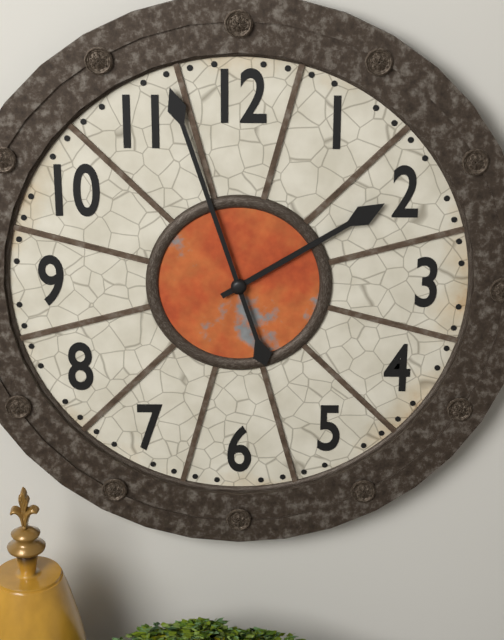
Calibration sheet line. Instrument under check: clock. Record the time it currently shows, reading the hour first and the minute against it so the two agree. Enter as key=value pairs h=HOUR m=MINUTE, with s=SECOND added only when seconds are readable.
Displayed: h=1 m=57
